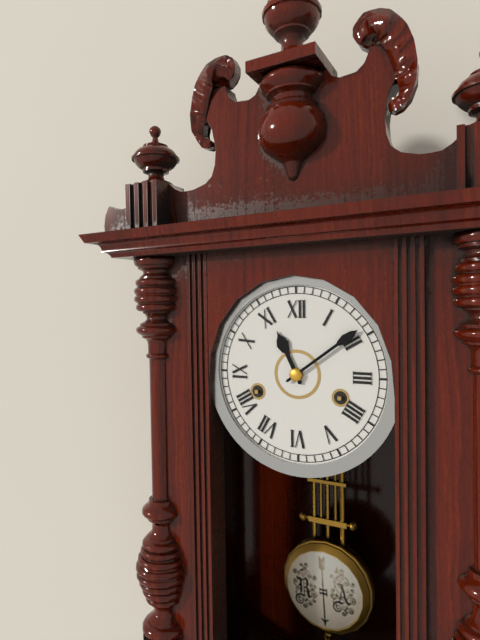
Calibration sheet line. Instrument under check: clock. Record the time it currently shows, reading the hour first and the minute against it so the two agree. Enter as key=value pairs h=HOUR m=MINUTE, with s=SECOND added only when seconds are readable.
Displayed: h=11 m=9
